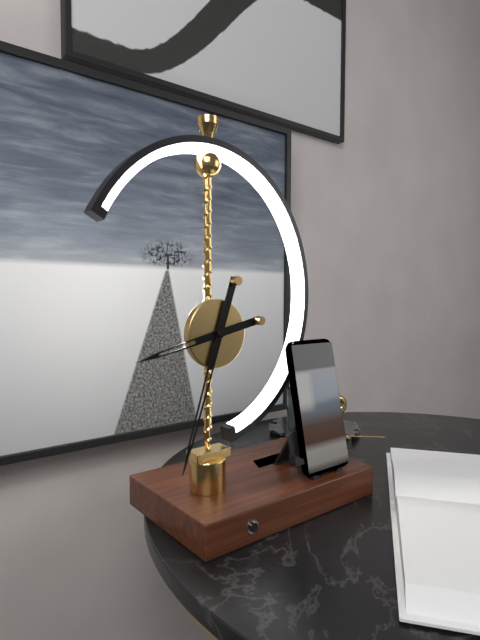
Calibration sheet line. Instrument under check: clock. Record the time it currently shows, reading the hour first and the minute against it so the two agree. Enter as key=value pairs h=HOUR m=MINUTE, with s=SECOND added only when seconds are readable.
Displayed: h=8 m=33
